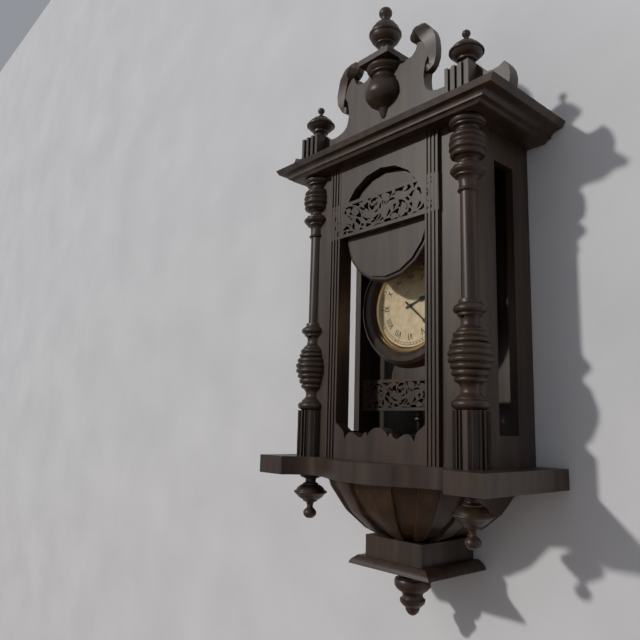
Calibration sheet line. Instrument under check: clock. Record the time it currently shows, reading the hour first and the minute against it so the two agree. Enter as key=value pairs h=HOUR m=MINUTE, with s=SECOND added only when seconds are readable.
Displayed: h=2 m=22
